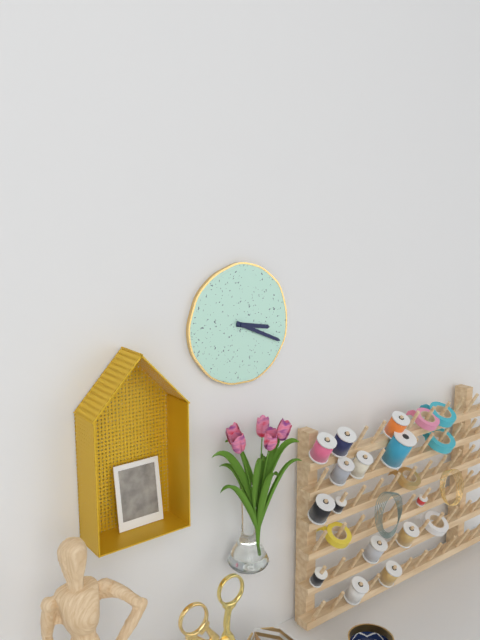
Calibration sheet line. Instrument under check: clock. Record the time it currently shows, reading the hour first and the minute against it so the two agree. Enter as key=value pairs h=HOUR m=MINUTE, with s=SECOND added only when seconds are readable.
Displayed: h=3 m=19
